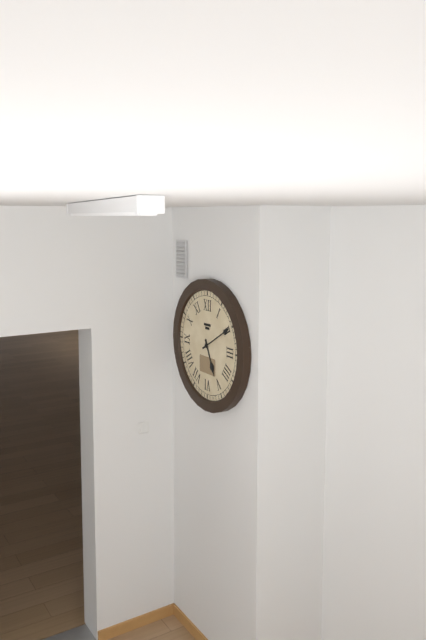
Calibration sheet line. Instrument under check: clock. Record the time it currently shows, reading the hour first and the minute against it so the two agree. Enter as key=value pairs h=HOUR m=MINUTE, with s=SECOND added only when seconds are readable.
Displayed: h=5 m=10
